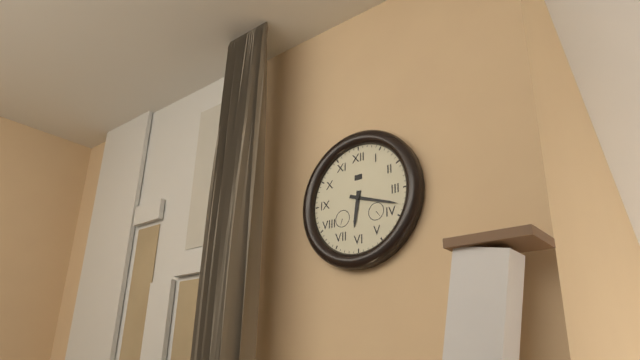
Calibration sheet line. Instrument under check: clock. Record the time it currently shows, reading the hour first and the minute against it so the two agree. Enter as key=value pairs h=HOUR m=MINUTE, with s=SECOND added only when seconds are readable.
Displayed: h=6 m=18
